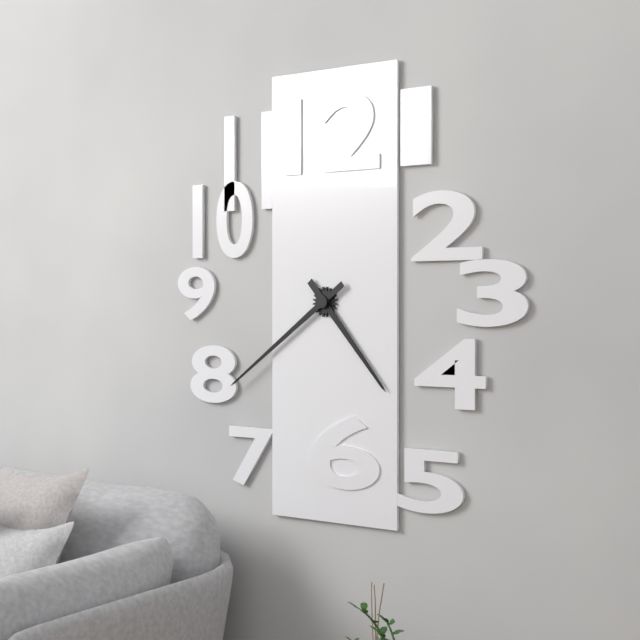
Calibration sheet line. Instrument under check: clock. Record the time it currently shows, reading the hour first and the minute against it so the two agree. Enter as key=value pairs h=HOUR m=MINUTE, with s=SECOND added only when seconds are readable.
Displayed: h=4 m=39
